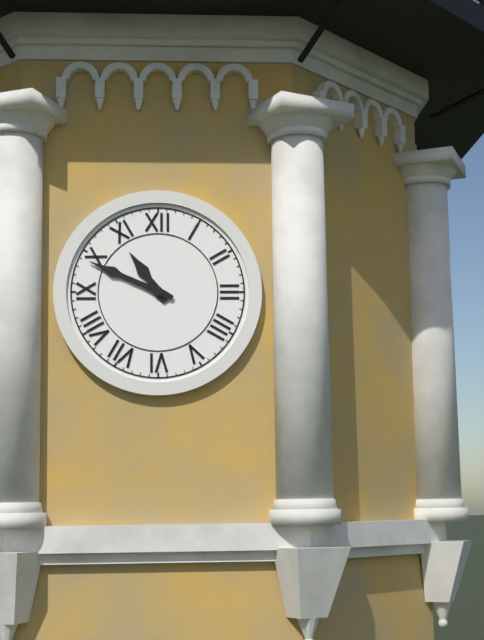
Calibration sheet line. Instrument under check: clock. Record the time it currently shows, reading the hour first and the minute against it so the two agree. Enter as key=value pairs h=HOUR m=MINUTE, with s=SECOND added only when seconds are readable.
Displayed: h=10 m=49
